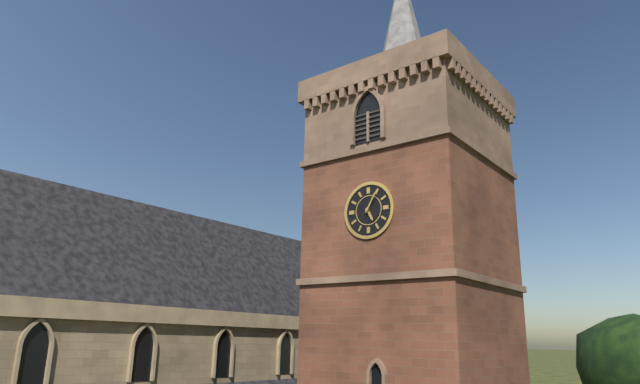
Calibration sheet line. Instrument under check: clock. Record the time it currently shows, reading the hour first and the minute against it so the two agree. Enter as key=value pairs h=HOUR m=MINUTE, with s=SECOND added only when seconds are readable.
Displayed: h=5 m=5
